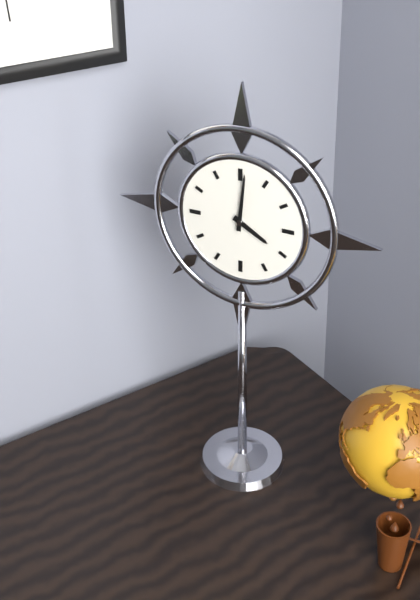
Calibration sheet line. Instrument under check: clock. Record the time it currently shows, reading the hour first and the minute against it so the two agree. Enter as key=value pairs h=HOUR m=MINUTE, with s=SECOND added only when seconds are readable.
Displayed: h=4 m=1
